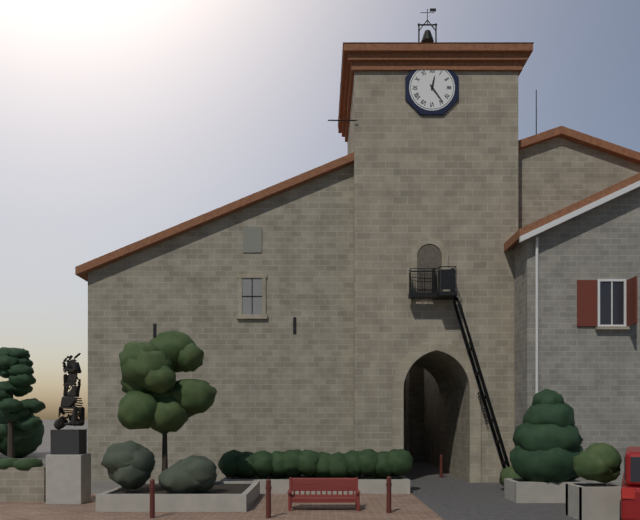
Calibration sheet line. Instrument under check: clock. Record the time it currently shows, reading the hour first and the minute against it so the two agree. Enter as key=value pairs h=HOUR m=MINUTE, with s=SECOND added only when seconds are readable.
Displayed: h=12 m=24
